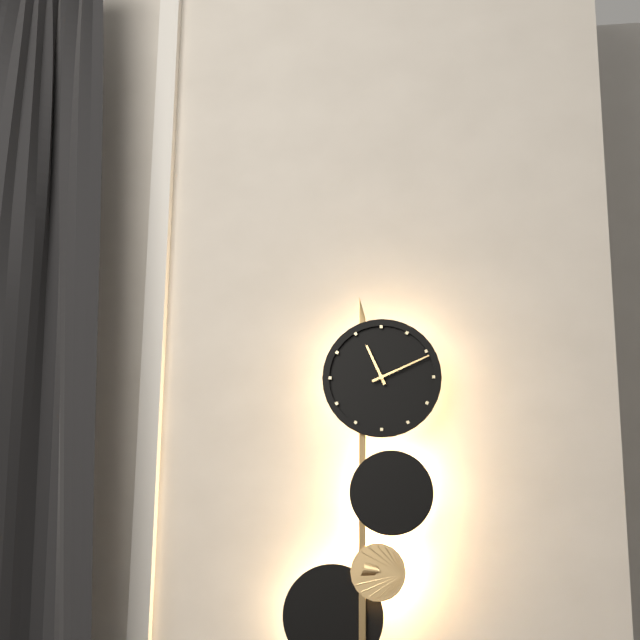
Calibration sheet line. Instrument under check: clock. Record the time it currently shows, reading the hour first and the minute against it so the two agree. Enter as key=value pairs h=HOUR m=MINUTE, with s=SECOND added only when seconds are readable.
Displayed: h=11 m=11
